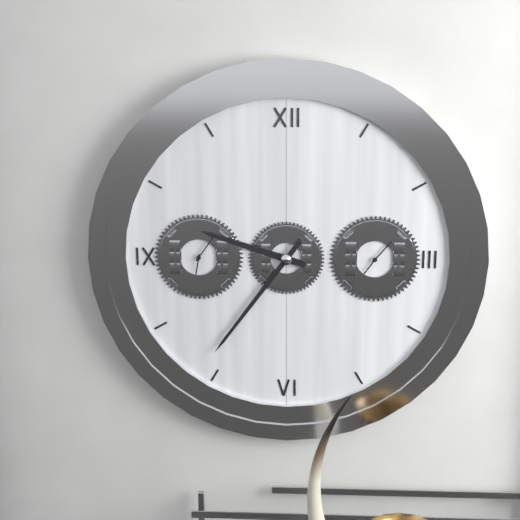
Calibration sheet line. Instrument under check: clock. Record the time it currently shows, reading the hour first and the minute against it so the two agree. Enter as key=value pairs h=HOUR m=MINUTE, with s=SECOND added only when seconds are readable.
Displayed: h=9 m=36
